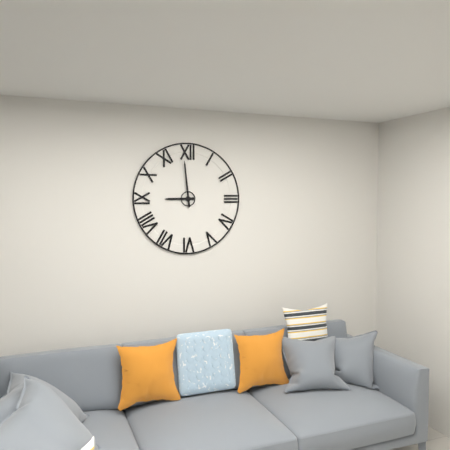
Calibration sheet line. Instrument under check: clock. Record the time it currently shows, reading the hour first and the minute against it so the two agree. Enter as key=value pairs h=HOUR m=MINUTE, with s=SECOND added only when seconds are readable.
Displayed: h=8 m=59
